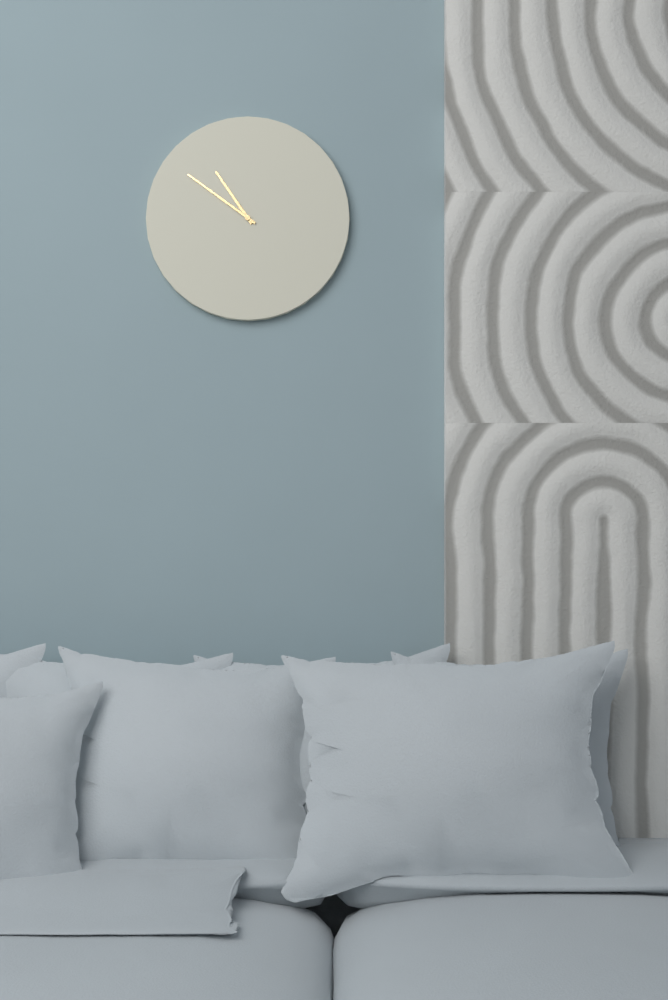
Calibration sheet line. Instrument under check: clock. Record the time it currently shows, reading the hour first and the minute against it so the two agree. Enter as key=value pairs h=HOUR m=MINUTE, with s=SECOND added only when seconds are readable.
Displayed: h=10 m=51
